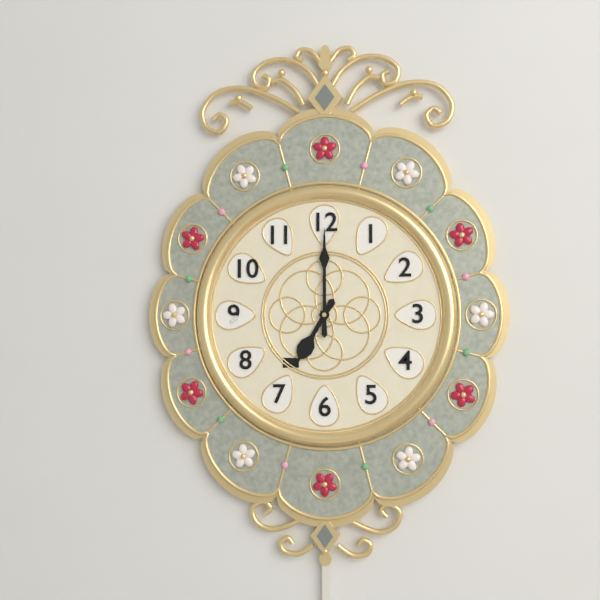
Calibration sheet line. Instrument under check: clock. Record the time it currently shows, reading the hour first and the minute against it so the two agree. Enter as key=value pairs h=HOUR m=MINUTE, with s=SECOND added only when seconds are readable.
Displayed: h=7 m=0
